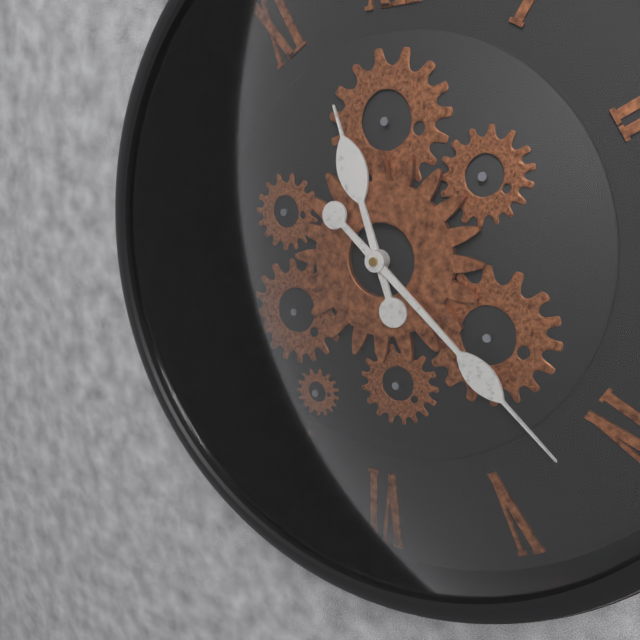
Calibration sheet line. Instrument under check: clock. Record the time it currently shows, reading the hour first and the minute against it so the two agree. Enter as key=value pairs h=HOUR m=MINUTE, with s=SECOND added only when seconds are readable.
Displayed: h=11 m=22
